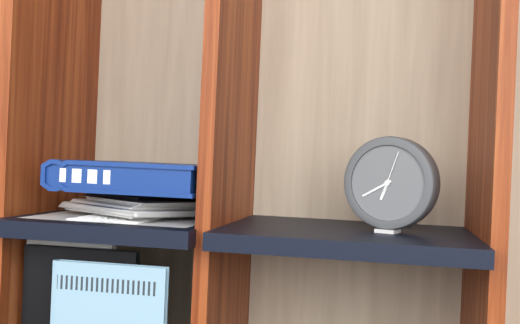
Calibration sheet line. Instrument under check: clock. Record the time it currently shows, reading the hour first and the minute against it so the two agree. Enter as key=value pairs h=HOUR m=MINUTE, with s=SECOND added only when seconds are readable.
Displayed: h=6 m=40
